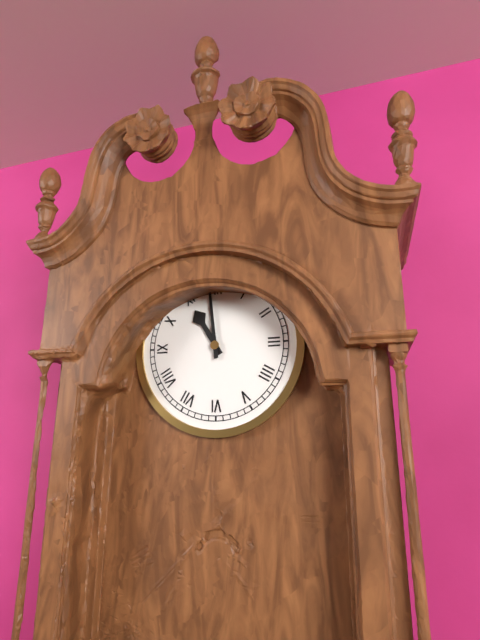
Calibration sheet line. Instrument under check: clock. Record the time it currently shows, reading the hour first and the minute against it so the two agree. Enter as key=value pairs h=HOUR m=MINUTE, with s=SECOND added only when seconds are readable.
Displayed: h=10 m=59
